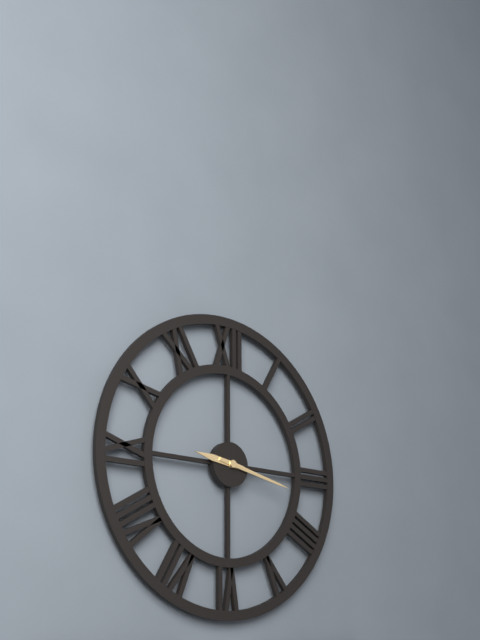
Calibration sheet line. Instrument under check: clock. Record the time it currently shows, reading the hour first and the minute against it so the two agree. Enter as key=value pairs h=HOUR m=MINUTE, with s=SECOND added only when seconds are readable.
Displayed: h=9 m=17
